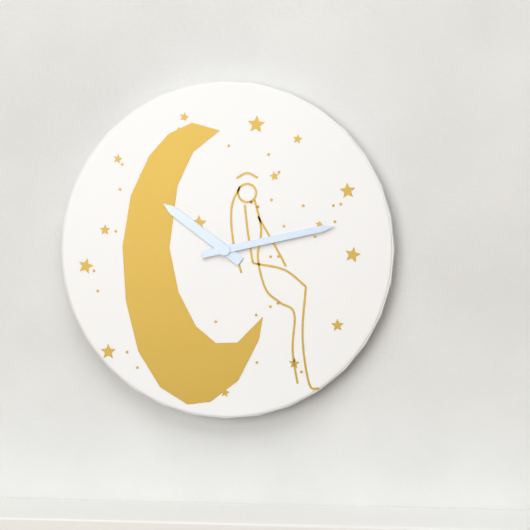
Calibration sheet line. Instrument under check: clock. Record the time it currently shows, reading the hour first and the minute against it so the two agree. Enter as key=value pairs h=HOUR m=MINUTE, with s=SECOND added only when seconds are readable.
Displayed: h=10 m=13
